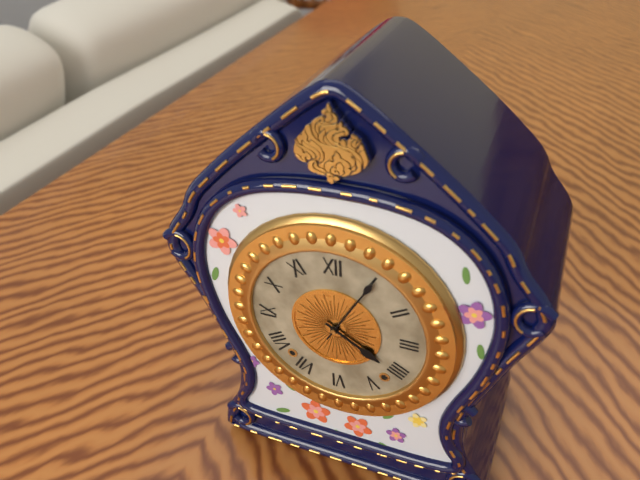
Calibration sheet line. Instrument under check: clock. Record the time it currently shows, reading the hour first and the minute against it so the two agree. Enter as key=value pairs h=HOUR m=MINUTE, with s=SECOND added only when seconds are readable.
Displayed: h=4 m=5
